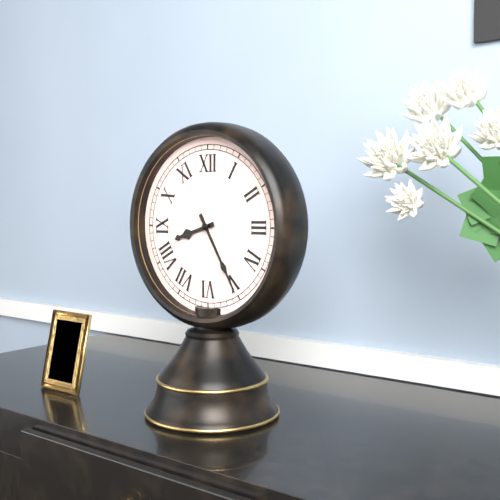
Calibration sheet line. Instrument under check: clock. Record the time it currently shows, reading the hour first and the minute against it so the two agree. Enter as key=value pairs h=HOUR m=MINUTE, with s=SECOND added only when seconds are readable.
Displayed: h=8 m=25
